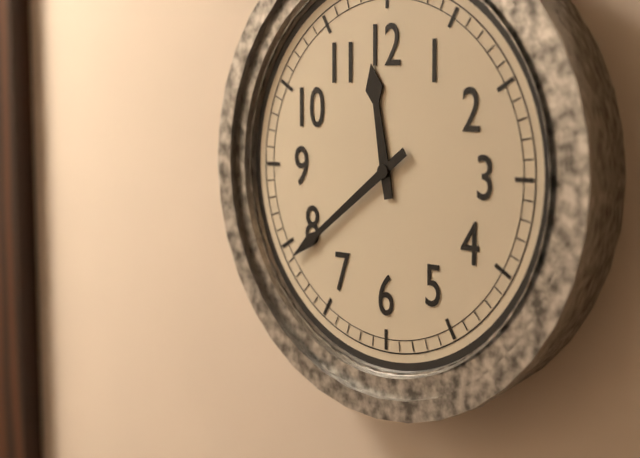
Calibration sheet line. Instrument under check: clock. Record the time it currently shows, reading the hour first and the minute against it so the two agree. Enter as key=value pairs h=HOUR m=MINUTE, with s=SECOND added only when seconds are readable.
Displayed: h=11 m=39
